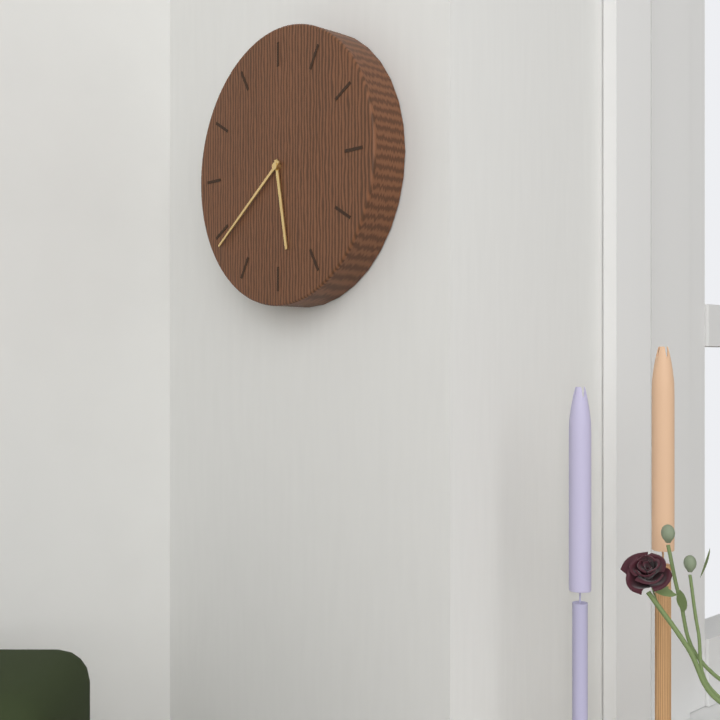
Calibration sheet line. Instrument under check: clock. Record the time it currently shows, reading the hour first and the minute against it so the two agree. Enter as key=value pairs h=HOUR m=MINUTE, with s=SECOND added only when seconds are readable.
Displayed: h=5 m=39
